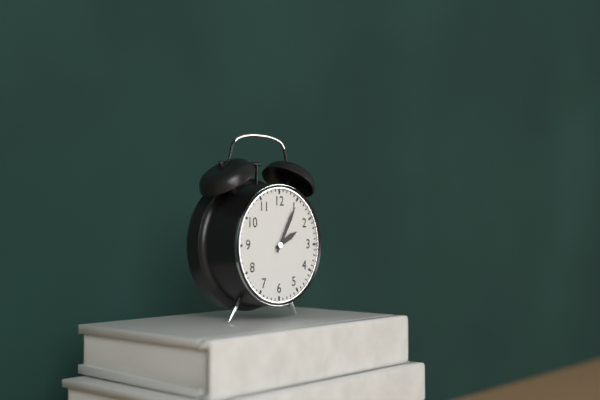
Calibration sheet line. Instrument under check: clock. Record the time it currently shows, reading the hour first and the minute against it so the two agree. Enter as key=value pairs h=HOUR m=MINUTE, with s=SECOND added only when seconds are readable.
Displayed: h=2 m=5
